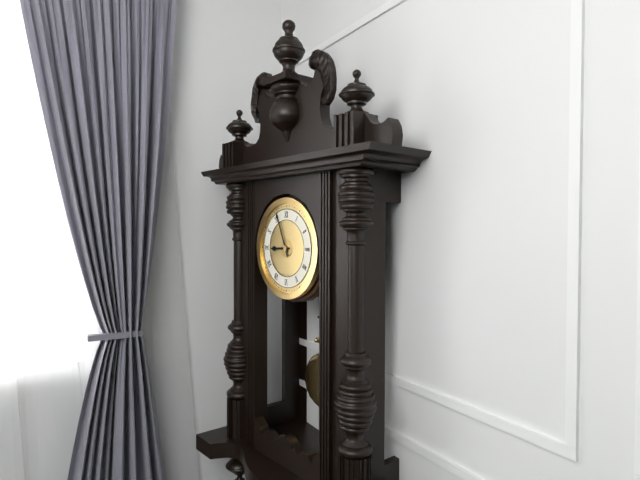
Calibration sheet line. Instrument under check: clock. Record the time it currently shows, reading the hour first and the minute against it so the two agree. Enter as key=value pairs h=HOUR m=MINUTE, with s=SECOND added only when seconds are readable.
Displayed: h=8 m=56
